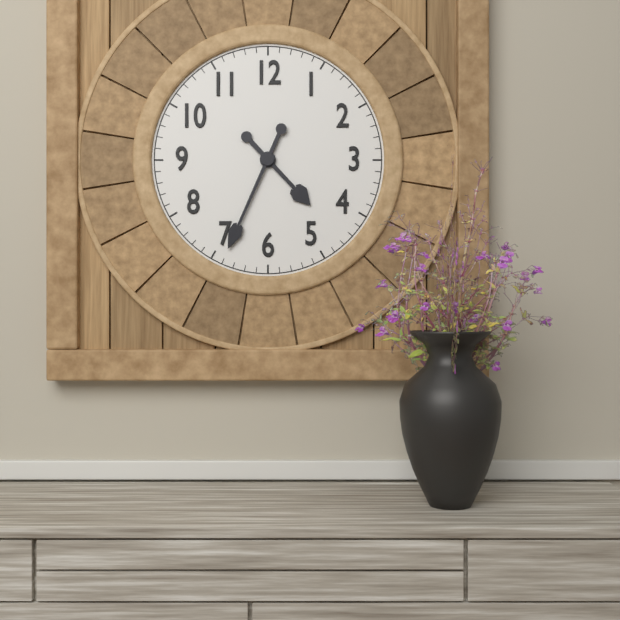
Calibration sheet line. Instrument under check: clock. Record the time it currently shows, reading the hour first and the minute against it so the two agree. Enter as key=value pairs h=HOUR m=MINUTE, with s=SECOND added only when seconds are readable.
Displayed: h=4 m=34
